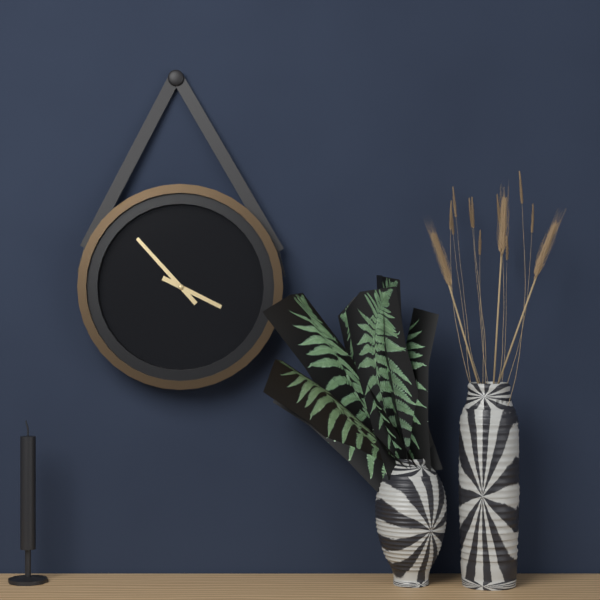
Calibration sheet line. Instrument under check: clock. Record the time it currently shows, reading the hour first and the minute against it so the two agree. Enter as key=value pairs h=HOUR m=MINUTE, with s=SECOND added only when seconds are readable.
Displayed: h=3 m=53
